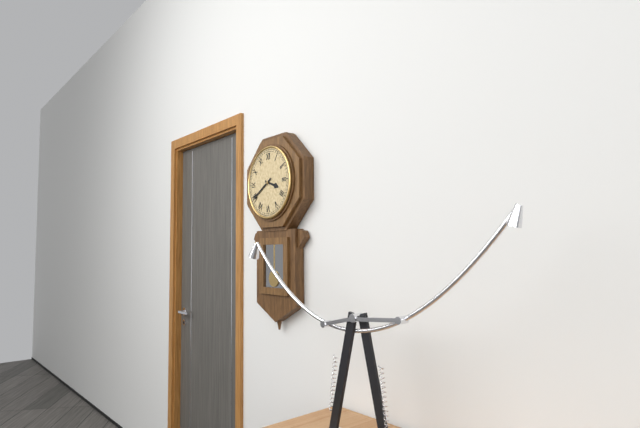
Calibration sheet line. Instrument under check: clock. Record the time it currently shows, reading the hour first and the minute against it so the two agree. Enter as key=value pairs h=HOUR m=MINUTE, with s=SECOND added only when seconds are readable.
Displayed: h=3 m=40
